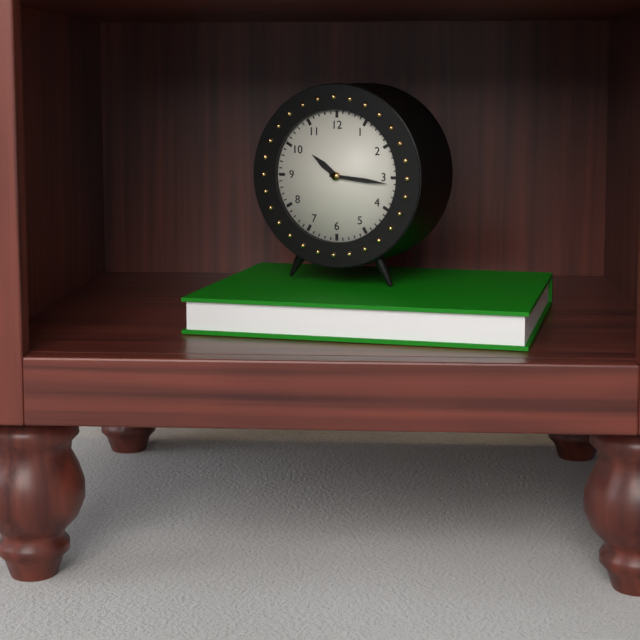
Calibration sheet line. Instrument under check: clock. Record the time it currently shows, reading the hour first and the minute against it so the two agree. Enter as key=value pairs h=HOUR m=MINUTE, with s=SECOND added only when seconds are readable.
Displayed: h=10 m=16
